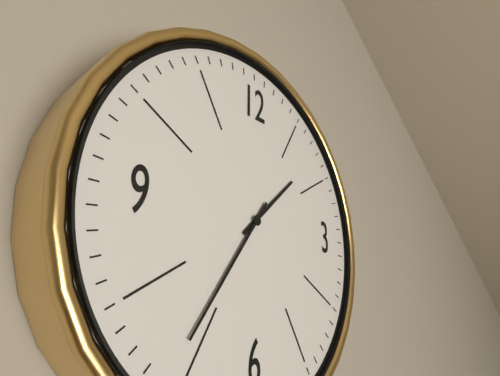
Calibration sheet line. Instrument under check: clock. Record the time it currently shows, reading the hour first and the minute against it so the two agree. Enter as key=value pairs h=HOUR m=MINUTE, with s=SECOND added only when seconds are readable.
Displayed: h=1 m=36
